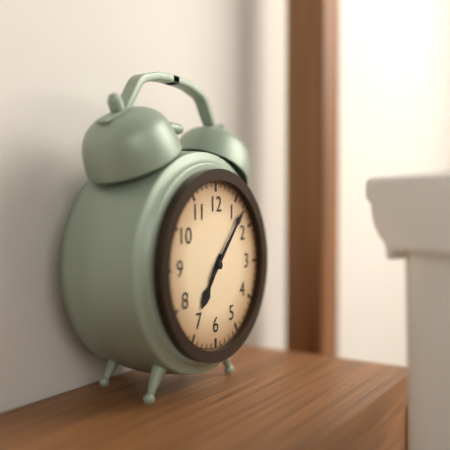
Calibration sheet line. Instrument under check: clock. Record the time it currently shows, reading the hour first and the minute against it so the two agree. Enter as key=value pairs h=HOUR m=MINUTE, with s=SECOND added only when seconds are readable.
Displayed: h=7 m=7
